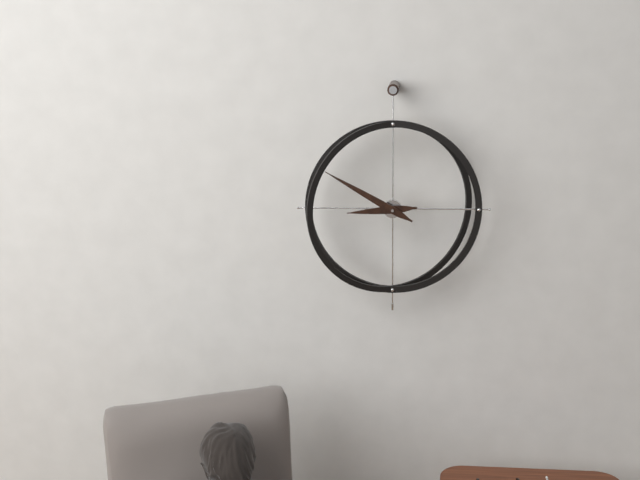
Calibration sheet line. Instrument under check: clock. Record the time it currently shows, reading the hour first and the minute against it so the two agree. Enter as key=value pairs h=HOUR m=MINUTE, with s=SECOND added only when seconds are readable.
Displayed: h=8 m=50
